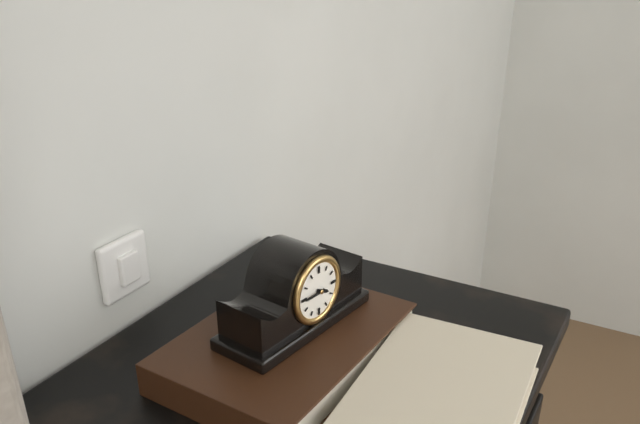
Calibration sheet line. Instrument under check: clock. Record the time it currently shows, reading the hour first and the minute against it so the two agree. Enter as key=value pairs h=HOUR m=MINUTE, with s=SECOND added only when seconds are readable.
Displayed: h=3 m=45
